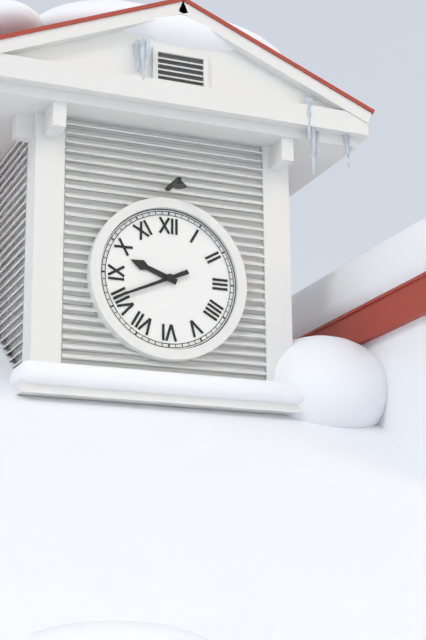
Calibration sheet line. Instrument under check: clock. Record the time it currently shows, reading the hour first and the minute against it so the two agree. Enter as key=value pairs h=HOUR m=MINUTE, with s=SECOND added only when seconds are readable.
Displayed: h=9 m=41
